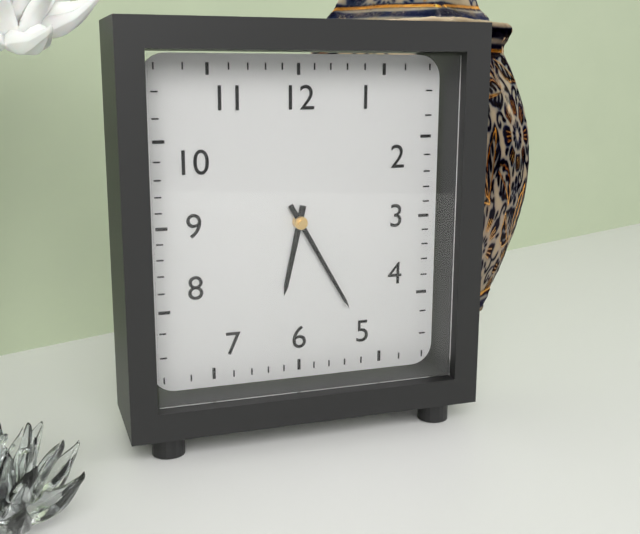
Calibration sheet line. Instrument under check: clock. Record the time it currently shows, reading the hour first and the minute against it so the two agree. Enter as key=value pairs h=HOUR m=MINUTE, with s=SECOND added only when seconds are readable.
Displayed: h=6 m=25
